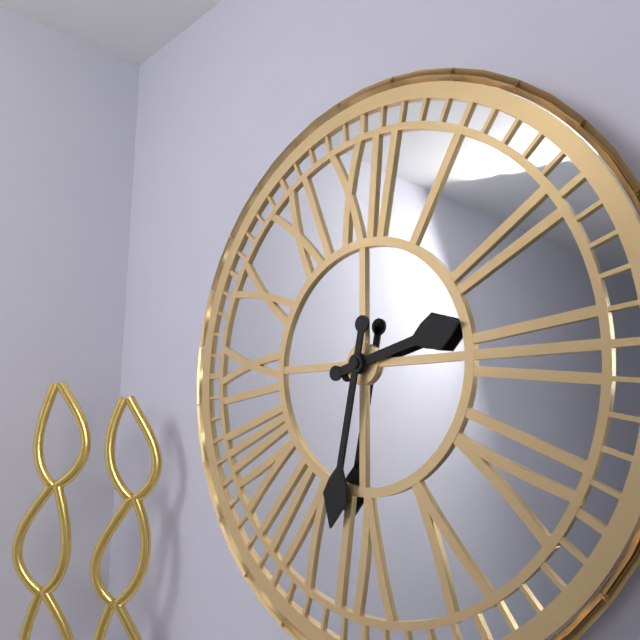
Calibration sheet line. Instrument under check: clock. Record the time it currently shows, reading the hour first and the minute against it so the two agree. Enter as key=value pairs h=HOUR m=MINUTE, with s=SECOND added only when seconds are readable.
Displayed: h=2 m=32
